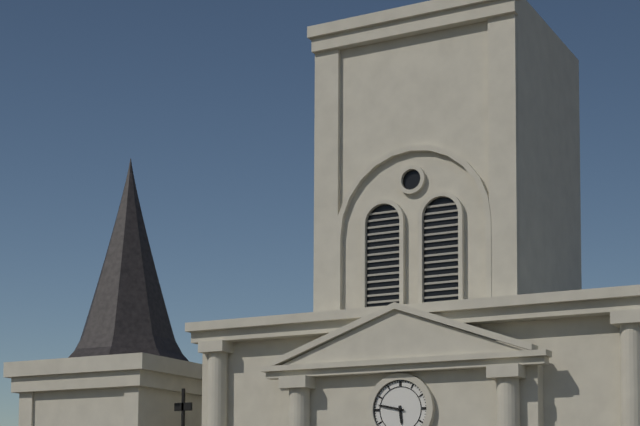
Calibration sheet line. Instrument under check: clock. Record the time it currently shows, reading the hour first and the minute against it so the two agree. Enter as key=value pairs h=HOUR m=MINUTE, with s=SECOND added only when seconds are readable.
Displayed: h=5 m=47
